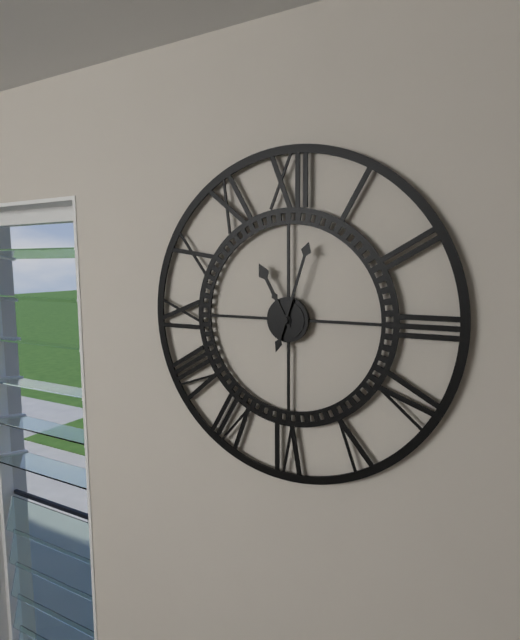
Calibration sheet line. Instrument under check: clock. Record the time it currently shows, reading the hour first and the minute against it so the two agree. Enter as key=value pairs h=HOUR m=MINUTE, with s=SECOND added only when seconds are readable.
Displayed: h=11 m=3
